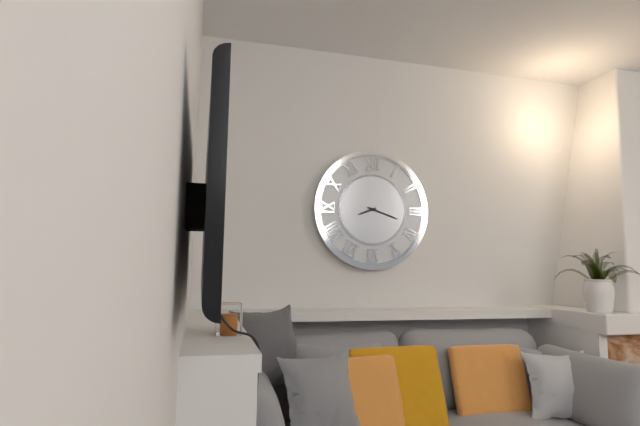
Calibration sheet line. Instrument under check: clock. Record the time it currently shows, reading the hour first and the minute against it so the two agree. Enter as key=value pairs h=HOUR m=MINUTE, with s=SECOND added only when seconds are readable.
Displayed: h=8 m=18
